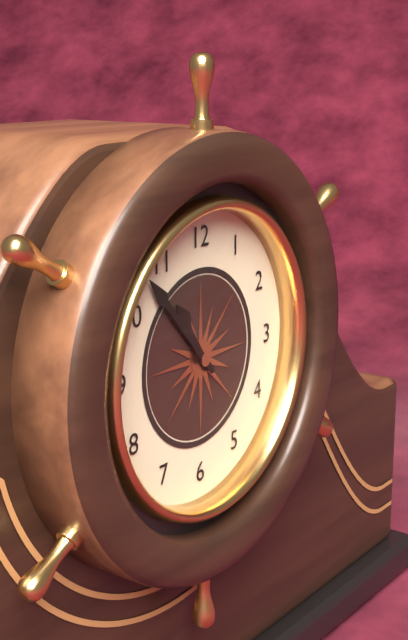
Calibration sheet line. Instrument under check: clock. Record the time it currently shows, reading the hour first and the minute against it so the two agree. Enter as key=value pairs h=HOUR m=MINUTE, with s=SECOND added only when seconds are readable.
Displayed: h=10 m=53
